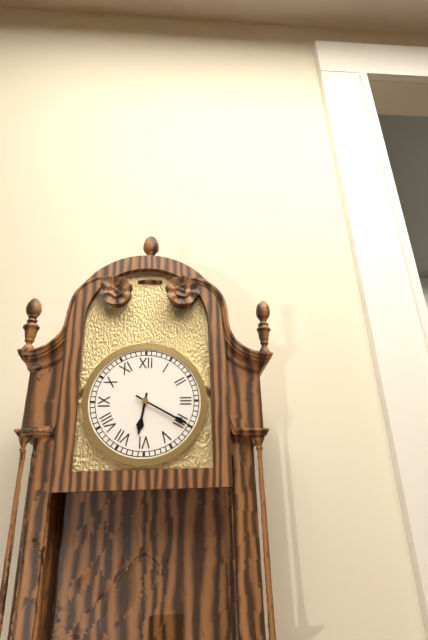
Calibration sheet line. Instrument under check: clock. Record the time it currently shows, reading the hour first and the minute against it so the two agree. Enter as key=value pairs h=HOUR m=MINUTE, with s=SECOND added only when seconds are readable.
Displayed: h=6 m=20
